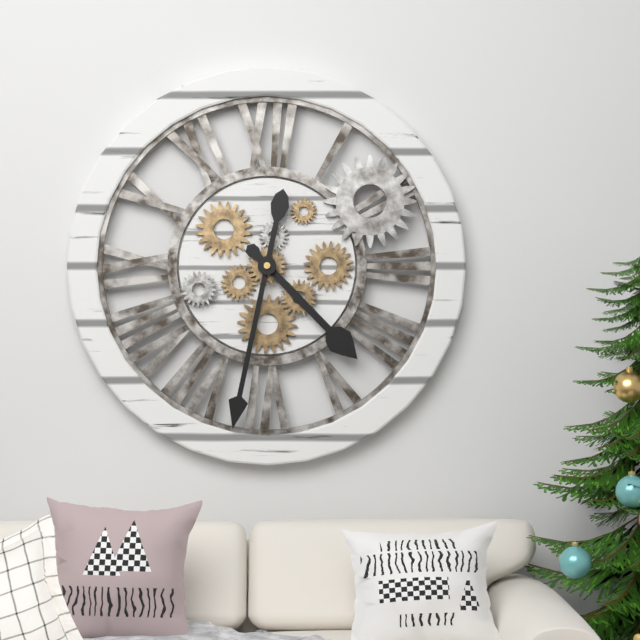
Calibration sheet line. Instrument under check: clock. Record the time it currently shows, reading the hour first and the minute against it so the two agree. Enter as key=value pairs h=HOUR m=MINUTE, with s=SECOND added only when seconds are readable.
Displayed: h=4 m=32
